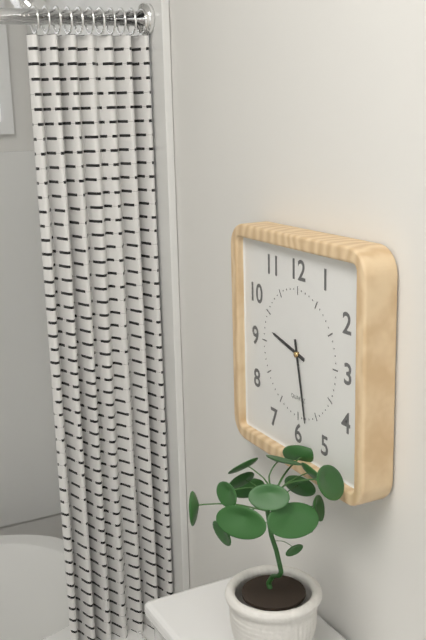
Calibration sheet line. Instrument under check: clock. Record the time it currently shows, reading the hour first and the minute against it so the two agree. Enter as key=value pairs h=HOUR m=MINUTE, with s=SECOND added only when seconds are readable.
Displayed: h=9 m=28
